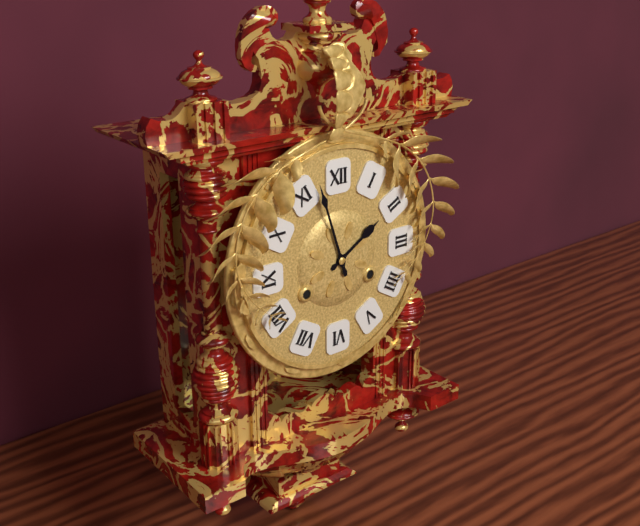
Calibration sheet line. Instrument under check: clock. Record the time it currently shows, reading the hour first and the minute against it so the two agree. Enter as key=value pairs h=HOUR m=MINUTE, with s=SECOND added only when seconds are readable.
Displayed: h=1 m=57
